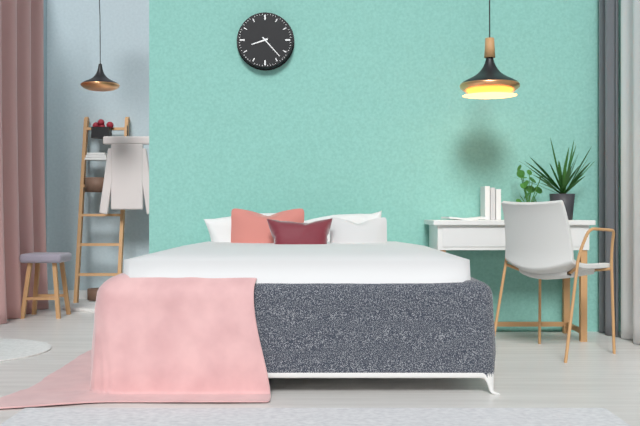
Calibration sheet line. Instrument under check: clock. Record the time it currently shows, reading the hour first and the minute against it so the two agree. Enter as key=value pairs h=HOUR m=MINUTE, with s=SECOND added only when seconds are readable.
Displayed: h=8 m=23
